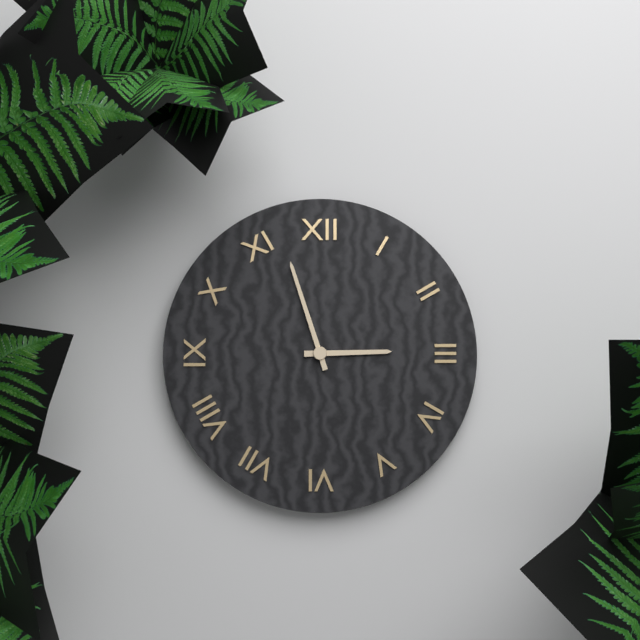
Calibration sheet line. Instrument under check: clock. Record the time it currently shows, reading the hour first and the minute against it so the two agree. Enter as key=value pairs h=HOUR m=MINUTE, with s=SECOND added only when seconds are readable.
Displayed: h=2 m=57
